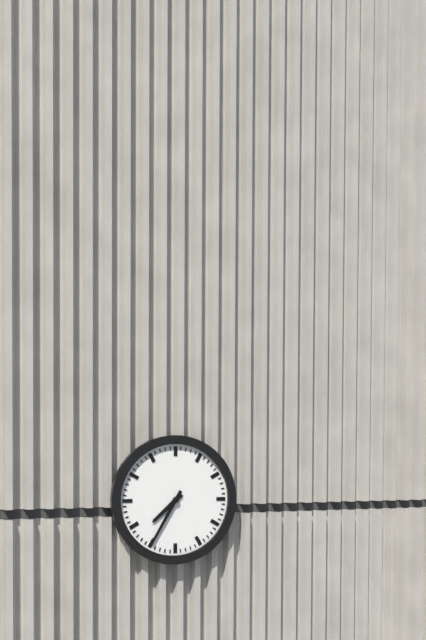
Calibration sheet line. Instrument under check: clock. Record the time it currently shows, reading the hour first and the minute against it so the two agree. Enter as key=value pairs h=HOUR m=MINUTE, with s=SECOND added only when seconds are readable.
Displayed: h=7 m=35
